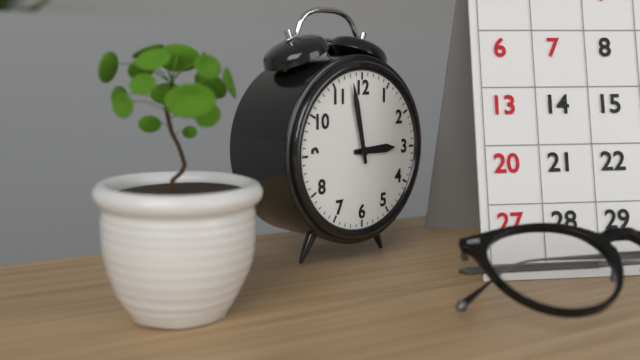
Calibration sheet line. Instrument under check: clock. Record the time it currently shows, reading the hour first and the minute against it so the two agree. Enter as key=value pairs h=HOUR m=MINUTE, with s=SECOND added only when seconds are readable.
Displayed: h=2 m=58
